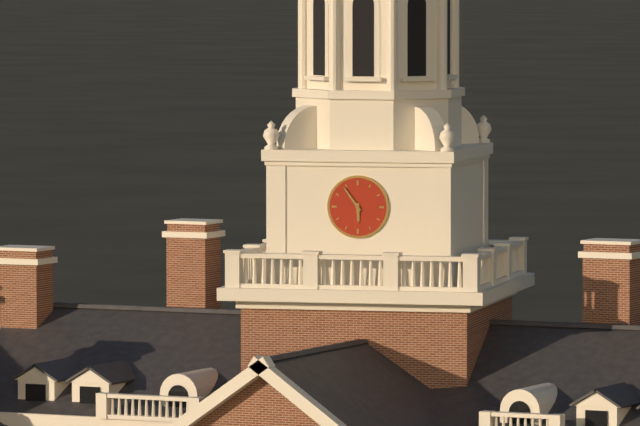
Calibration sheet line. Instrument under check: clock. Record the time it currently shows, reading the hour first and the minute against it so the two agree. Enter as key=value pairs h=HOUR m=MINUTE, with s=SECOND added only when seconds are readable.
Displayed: h=5 m=54
